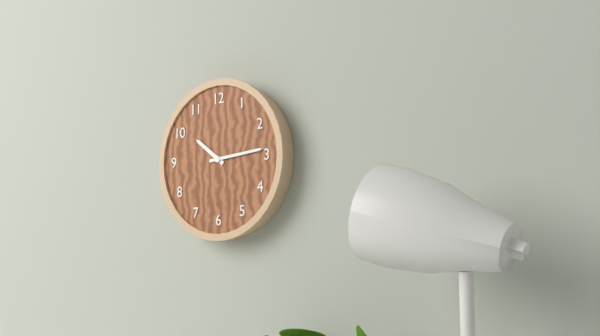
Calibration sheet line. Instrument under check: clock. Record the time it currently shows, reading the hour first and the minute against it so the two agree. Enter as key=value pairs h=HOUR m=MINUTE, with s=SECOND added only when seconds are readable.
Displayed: h=10 m=14
